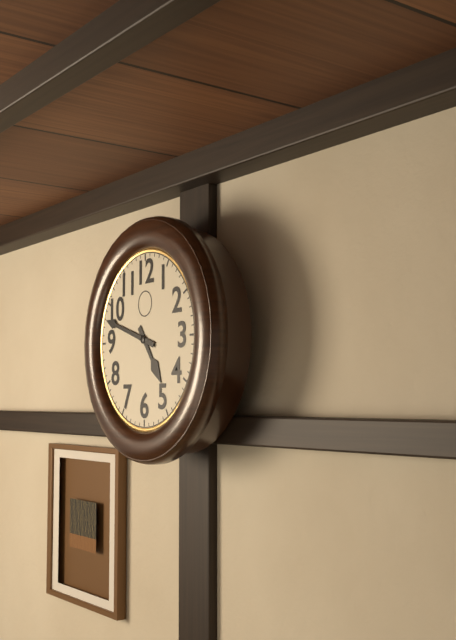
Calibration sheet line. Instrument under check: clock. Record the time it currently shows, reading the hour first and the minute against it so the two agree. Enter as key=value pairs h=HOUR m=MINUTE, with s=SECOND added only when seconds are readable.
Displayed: h=4 m=48
